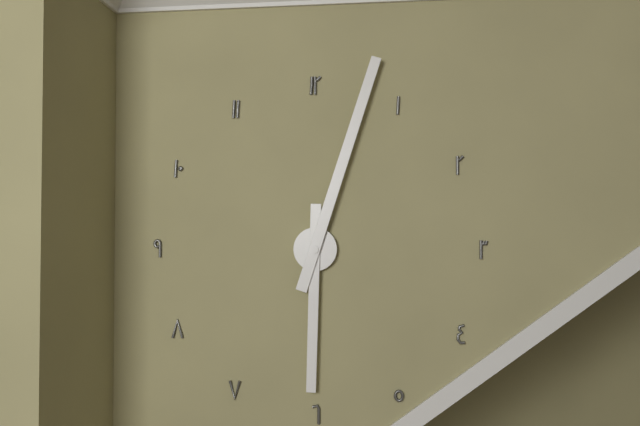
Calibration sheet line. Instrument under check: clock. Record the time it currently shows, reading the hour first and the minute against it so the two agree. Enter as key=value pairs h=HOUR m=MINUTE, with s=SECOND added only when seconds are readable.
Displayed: h=6 m=3
